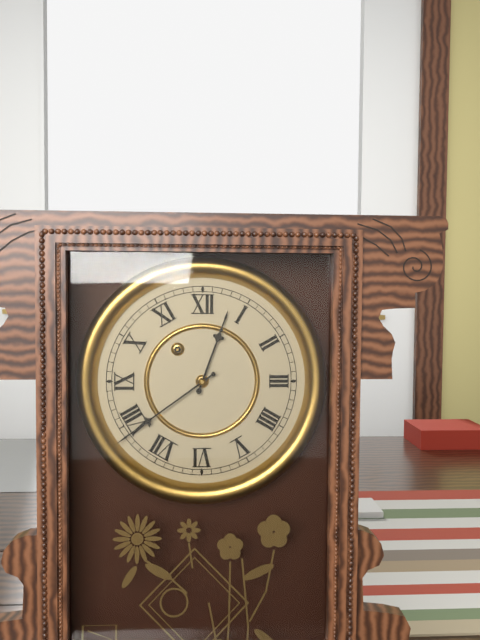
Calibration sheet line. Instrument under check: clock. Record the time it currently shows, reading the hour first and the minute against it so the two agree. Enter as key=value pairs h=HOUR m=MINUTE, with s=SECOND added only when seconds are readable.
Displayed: h=12 m=39
